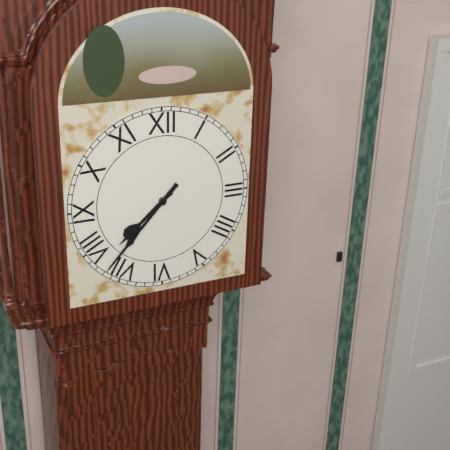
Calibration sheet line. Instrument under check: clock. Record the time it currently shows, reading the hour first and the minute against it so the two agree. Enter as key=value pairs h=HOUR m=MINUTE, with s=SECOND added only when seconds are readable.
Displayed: h=7 m=37
